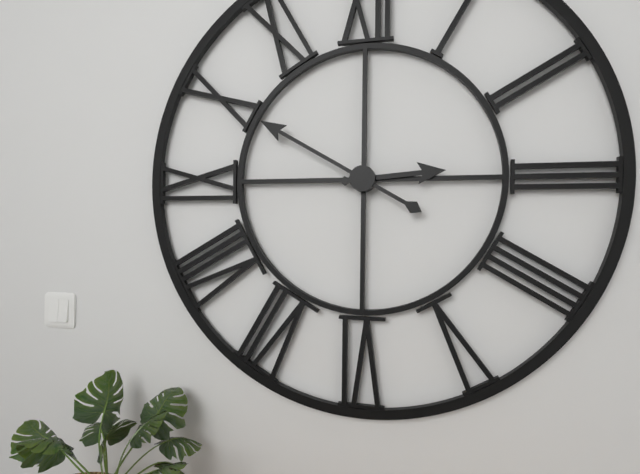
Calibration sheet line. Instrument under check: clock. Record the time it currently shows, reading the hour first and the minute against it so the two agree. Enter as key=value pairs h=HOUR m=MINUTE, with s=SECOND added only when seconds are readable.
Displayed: h=2 m=50
